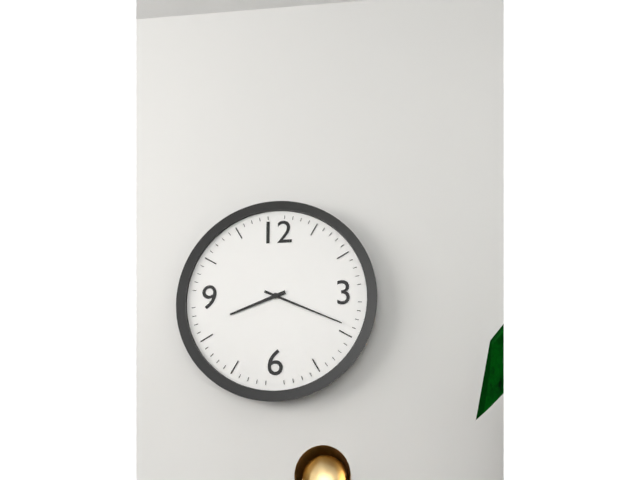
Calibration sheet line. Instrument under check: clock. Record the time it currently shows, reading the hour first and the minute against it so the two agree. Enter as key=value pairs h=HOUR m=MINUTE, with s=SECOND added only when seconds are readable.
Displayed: h=8 m=19
